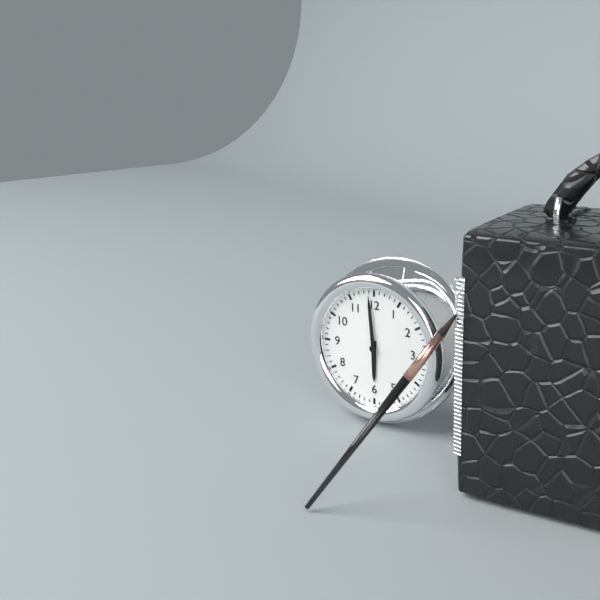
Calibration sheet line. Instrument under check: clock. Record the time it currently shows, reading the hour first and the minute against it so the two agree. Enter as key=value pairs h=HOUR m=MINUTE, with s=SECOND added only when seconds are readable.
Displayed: h=5 m=59
